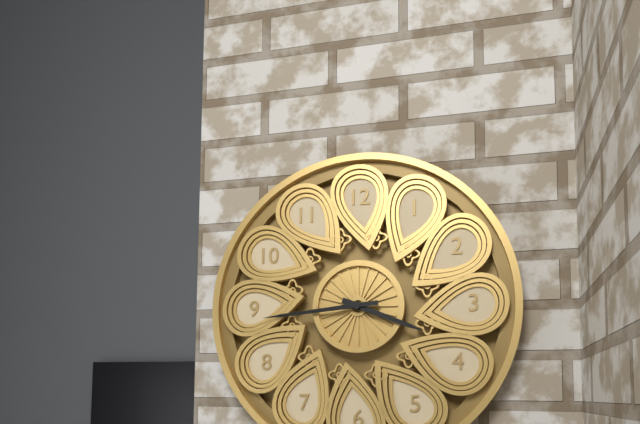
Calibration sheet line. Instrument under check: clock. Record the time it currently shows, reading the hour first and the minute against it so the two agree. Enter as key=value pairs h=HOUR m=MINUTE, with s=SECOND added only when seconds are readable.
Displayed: h=3 m=44
